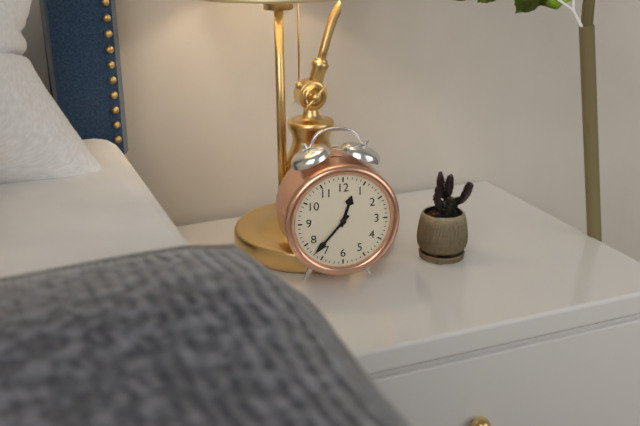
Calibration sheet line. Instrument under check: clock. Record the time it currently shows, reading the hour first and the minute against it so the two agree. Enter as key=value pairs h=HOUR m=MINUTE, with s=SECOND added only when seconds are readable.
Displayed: h=12 m=37
